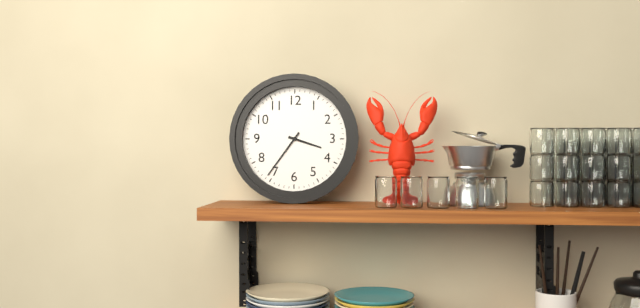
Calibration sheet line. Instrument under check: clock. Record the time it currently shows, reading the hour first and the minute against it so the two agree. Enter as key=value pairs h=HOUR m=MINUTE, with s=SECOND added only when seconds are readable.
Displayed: h=3 m=36
